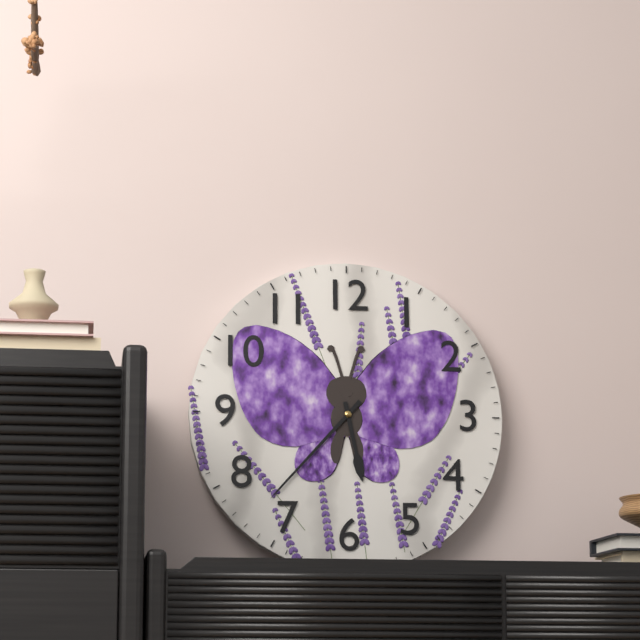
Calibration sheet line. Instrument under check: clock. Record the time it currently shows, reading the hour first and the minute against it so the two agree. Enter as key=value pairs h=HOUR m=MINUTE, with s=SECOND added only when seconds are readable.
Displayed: h=5 m=37
